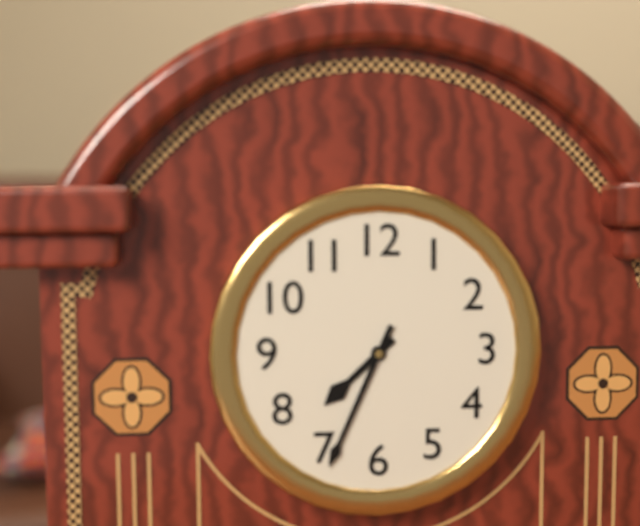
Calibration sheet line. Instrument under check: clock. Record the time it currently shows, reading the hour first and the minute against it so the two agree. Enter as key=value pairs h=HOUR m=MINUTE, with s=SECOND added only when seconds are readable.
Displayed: h=7 m=34
